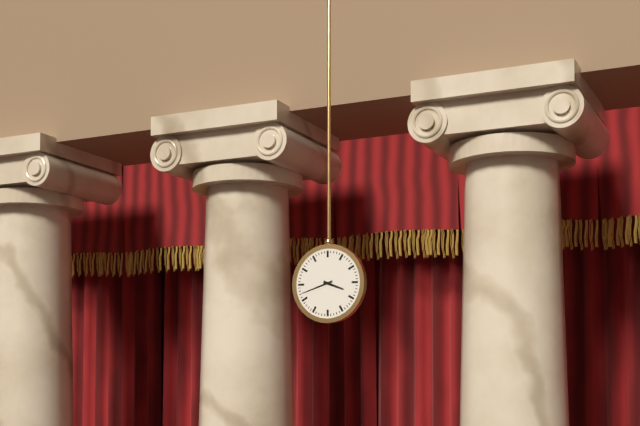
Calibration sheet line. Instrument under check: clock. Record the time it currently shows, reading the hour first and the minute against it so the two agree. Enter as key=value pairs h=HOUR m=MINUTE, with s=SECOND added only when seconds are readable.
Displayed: h=3 m=42
